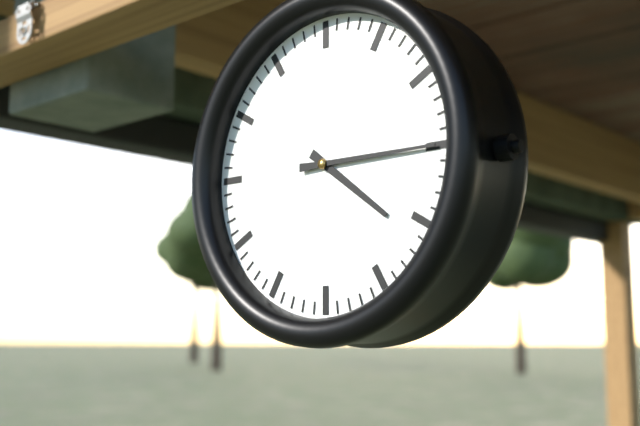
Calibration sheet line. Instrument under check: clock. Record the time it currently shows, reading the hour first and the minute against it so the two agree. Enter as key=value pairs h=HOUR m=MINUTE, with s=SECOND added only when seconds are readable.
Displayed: h=4 m=15
